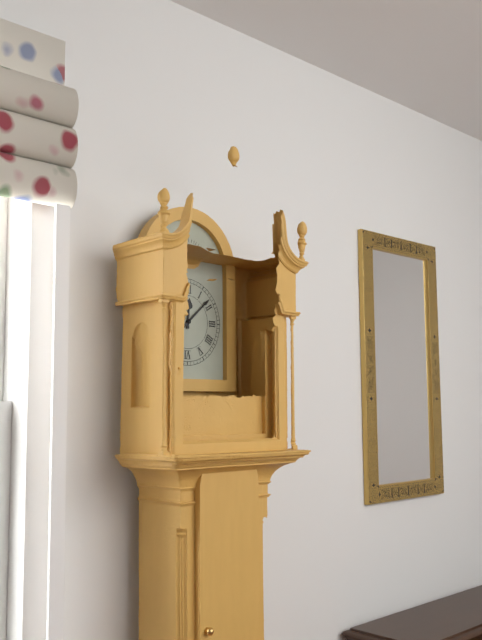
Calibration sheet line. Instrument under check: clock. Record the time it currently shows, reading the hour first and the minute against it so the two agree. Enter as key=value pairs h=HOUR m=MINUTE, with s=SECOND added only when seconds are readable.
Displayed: h=12 m=8
